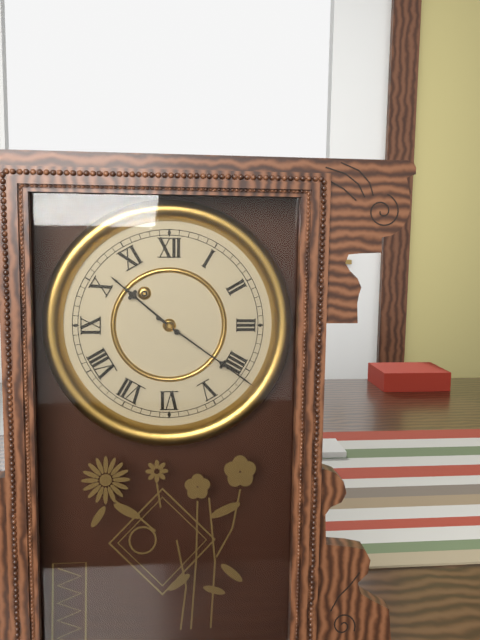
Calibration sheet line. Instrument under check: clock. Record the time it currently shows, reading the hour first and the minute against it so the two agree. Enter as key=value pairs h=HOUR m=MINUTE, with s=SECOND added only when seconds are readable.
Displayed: h=10 m=21
